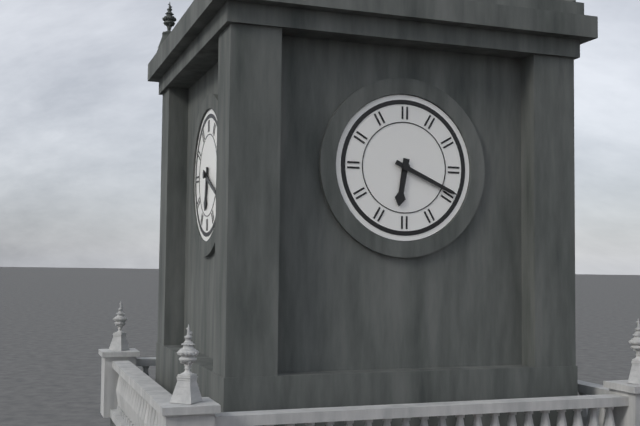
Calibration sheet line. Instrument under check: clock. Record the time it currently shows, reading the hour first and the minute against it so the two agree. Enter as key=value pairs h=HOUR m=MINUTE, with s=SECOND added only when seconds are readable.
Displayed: h=6 m=19
